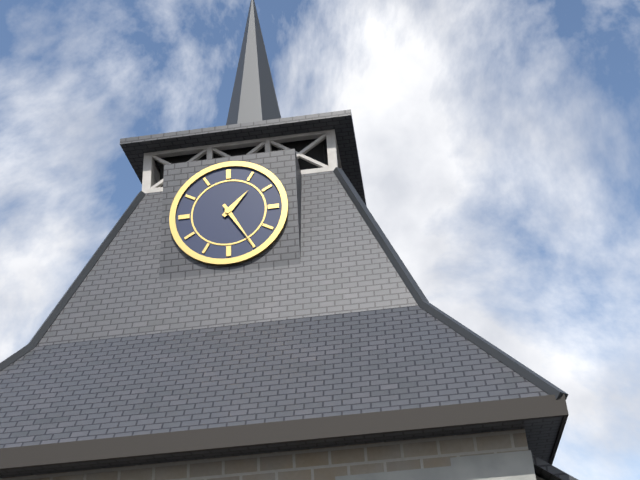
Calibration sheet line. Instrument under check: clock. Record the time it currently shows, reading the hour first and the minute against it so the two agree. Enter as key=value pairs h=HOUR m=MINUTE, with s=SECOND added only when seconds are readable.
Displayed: h=1 m=25
